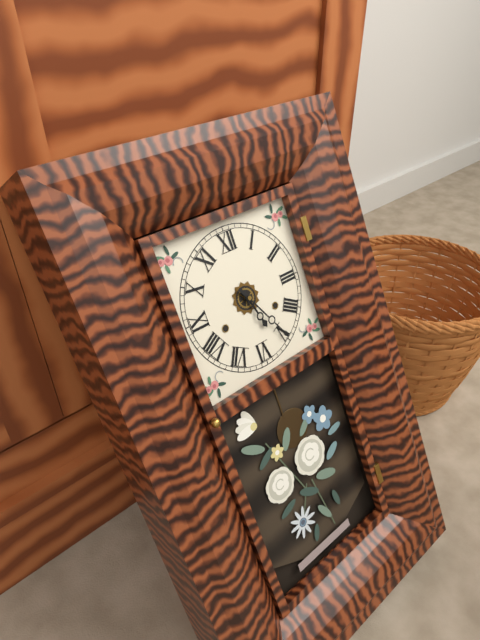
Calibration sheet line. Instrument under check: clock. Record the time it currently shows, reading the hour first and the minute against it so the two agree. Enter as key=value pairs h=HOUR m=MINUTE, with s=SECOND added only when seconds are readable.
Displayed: h=5 m=25
